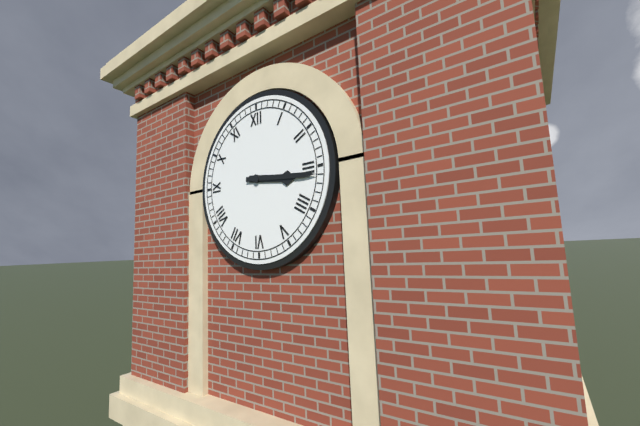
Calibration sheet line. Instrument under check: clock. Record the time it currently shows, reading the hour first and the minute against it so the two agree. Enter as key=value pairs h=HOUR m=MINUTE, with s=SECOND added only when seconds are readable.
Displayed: h=3 m=16
